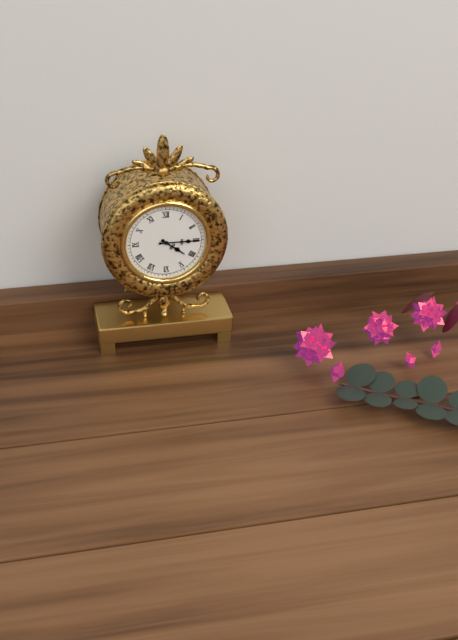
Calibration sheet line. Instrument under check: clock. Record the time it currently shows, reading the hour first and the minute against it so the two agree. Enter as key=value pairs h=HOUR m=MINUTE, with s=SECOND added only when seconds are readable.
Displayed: h=4 m=15
